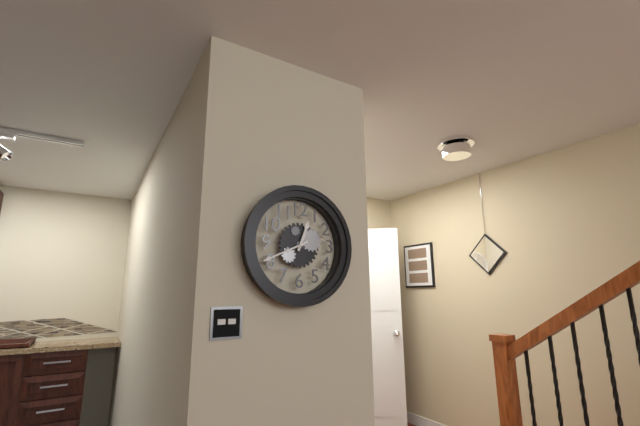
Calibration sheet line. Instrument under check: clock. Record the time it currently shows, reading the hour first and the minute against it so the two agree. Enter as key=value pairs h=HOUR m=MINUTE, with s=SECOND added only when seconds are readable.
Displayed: h=12 m=41
